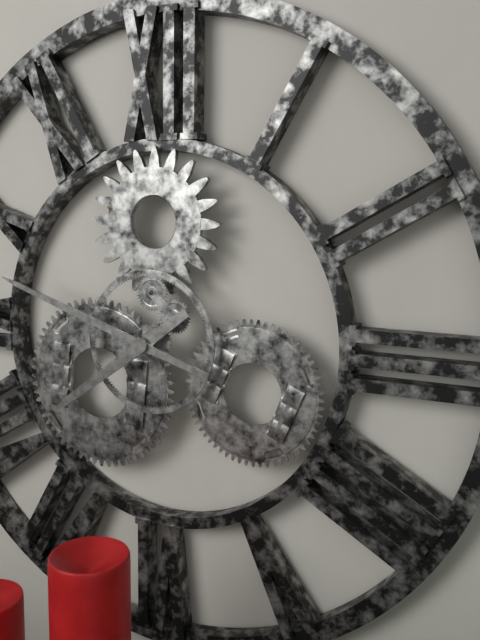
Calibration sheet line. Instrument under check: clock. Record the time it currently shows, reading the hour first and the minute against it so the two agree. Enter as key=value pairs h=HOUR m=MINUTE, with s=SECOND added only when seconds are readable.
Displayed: h=7 m=48
